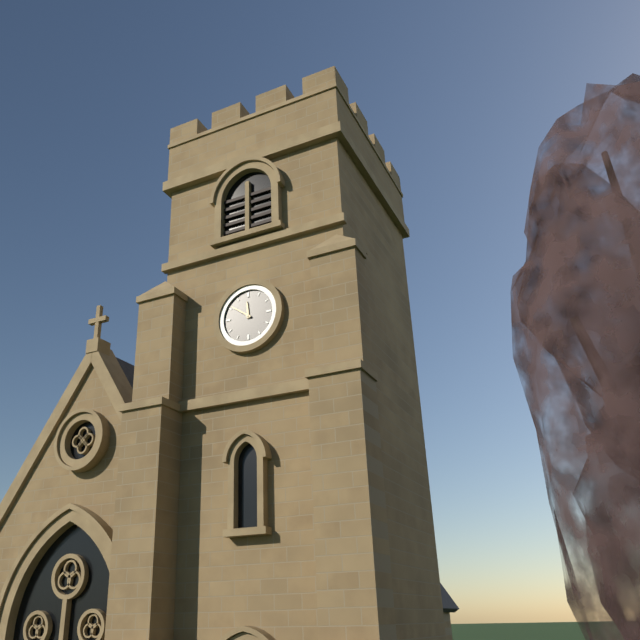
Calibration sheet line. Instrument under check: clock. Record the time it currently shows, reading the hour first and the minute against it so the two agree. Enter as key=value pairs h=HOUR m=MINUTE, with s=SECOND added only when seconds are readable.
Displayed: h=11 m=51
